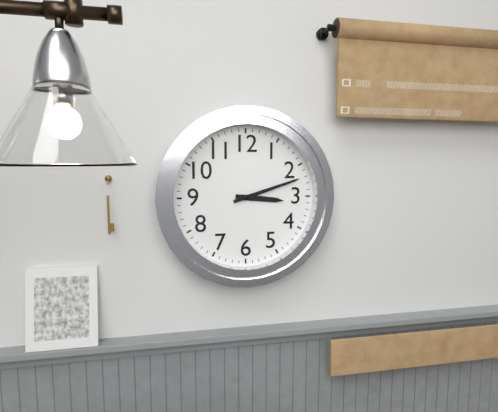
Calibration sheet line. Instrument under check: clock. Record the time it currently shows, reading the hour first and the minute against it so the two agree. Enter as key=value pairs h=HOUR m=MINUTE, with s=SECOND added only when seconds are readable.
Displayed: h=3 m=12
